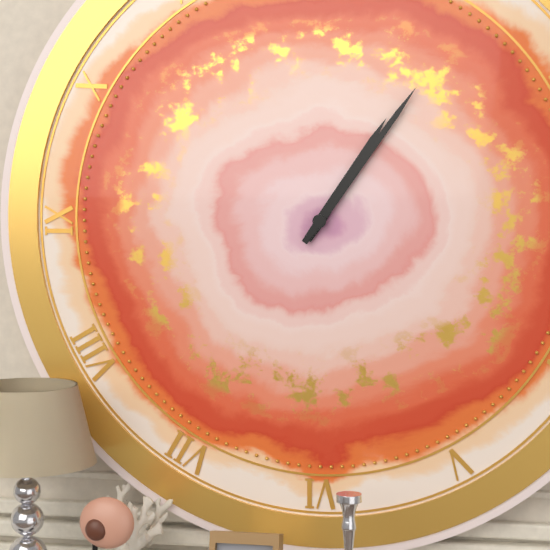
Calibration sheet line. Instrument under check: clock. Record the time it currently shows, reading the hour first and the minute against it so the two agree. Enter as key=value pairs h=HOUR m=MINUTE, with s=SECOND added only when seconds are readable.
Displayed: h=1 m=6
